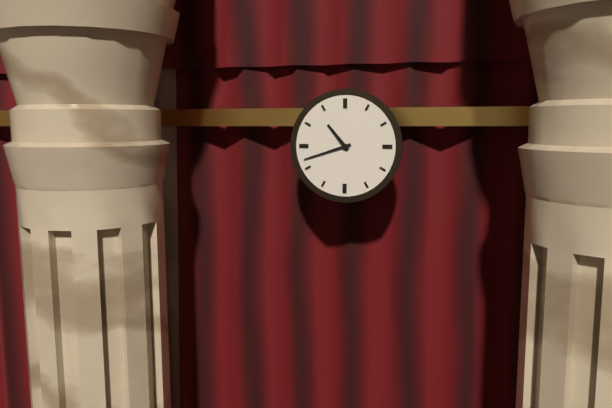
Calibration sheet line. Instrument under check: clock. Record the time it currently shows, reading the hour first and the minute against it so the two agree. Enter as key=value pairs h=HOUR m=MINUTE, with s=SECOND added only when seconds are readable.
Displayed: h=10 m=42
